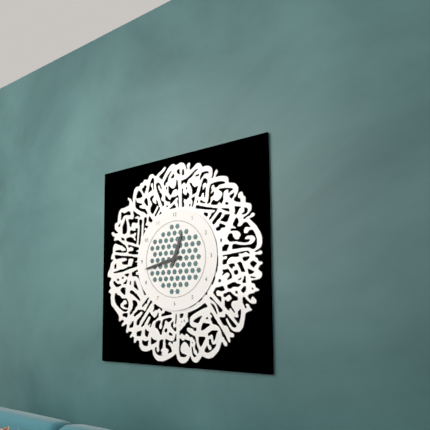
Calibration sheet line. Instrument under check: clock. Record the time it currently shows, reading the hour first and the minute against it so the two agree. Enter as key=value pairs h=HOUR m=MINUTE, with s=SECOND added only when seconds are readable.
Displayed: h=12 m=43
